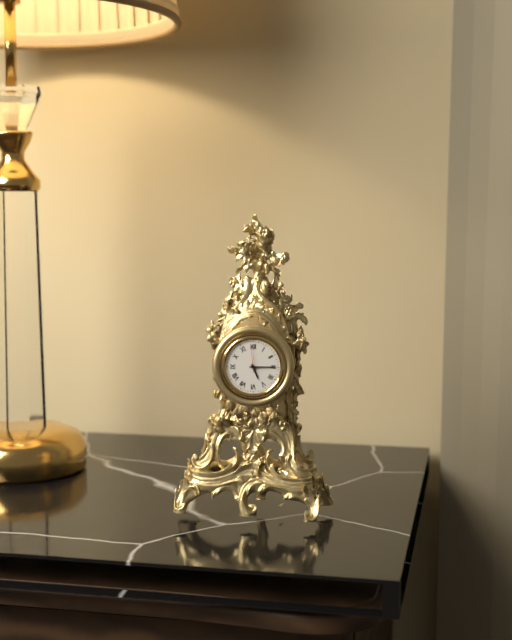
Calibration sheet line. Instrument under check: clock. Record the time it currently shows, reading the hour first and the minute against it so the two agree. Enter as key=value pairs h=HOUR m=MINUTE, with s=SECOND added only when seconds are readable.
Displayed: h=5 m=15
